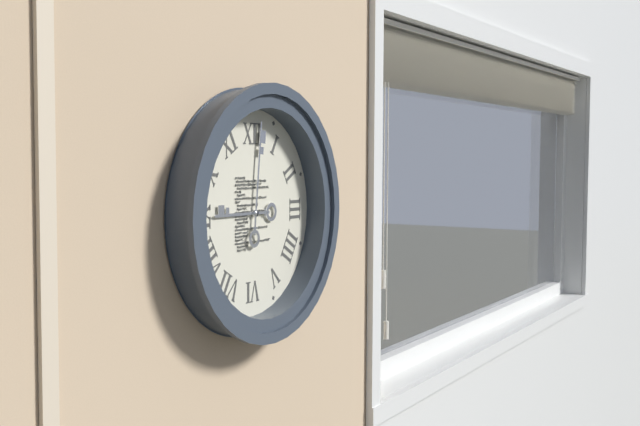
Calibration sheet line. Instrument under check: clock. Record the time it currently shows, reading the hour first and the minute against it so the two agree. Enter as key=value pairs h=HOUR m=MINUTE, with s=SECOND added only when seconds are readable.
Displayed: h=9 m=1
